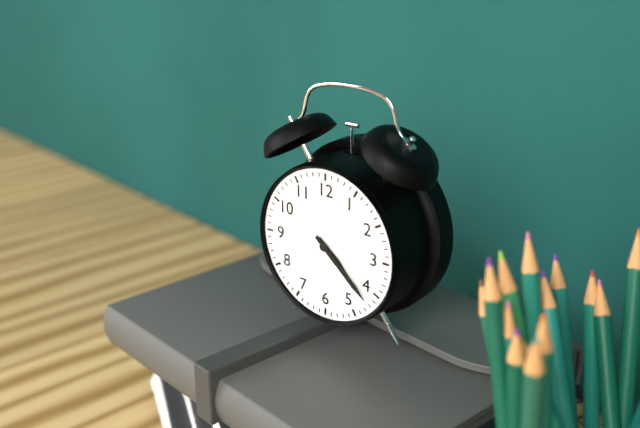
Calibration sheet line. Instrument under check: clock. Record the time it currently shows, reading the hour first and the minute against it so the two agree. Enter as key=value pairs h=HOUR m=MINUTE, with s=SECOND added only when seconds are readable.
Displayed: h=4 m=22
